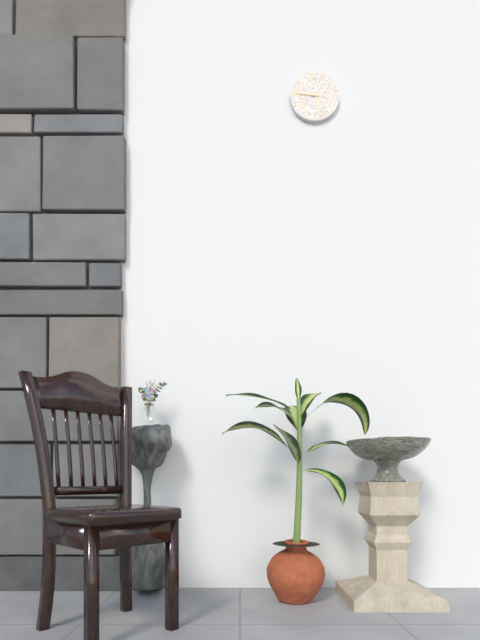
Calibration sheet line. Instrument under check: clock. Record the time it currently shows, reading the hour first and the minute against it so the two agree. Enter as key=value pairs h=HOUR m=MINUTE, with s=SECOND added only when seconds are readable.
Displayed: h=5 m=46
